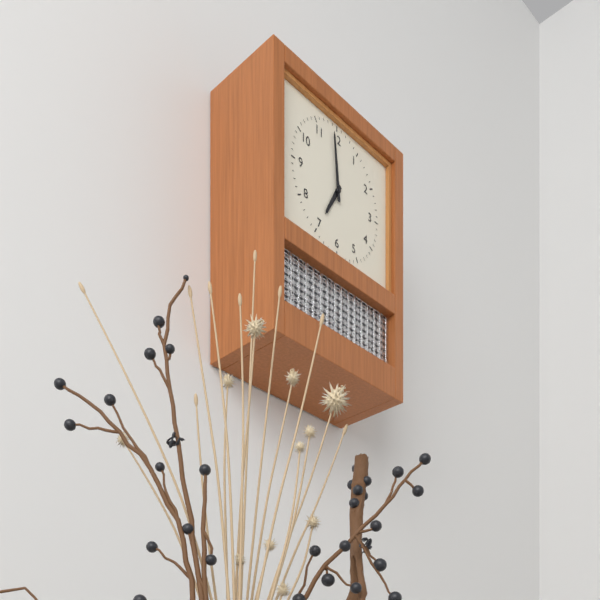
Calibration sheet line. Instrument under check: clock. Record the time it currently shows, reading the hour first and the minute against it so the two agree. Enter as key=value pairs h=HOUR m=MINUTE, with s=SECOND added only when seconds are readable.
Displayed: h=6 m=59
